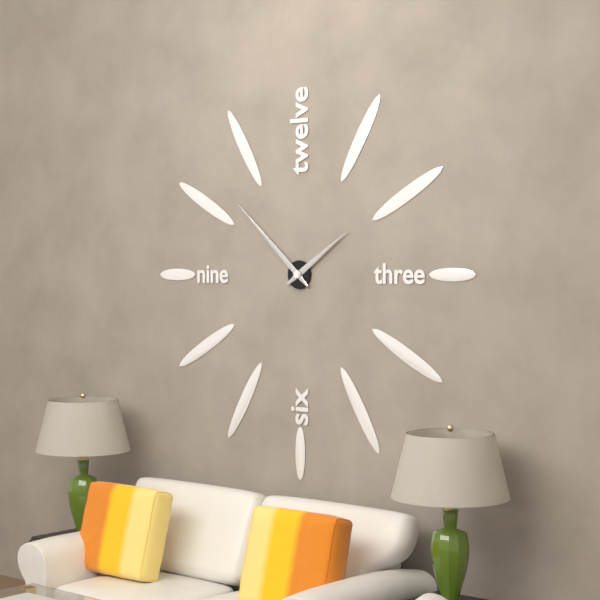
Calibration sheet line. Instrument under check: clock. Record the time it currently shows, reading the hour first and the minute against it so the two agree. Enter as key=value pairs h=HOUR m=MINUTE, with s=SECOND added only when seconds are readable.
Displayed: h=1 m=52
